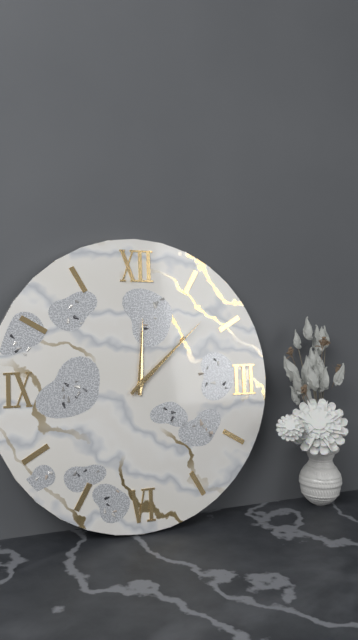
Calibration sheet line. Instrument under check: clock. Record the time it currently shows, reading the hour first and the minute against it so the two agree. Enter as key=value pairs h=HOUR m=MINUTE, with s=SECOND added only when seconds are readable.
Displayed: h=12 m=8
